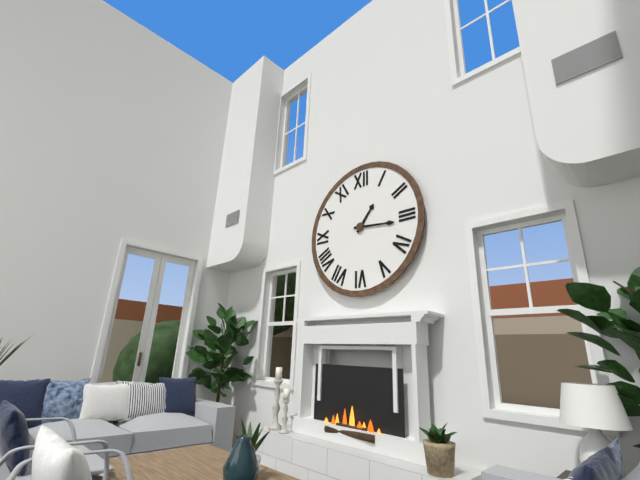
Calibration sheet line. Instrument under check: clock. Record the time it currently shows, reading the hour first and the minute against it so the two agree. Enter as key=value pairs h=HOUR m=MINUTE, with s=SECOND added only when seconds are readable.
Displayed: h=1 m=16
